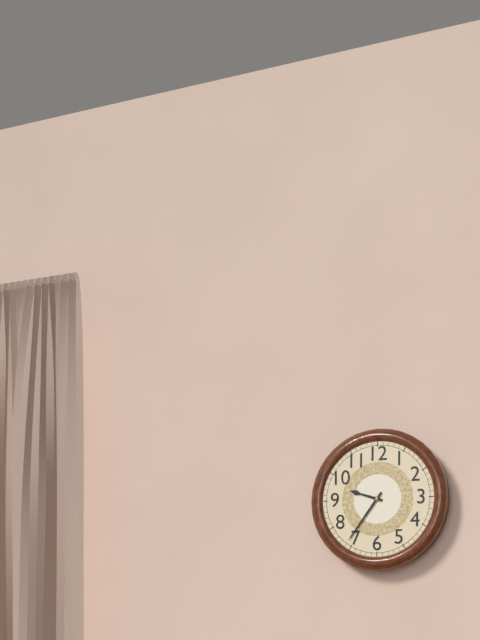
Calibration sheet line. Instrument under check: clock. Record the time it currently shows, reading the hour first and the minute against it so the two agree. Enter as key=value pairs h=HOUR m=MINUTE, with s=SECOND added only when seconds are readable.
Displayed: h=9 m=36
